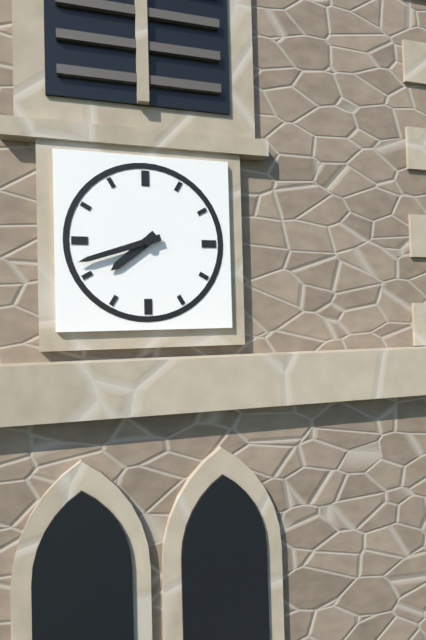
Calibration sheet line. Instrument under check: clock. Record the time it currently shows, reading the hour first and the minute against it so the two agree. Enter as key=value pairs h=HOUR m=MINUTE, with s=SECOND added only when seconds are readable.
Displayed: h=7 m=42
